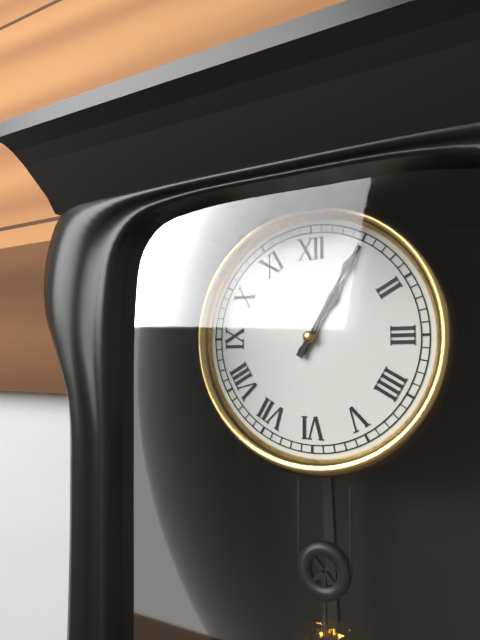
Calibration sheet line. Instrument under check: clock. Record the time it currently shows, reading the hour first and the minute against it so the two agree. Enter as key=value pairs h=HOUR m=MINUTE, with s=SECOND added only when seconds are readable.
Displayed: h=1 m=5
